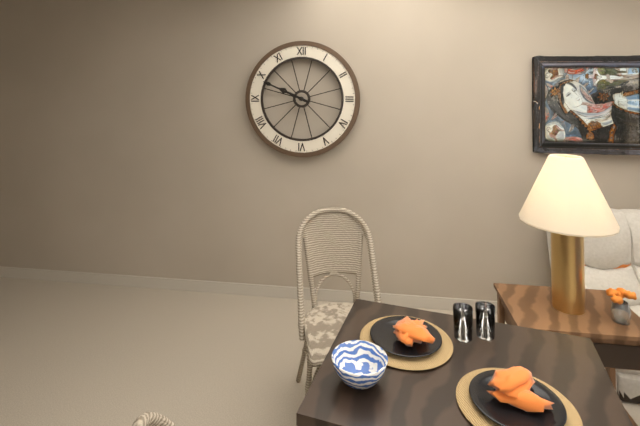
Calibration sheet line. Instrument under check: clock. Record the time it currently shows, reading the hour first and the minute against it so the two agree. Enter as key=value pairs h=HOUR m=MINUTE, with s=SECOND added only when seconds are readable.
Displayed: h=9 m=49
